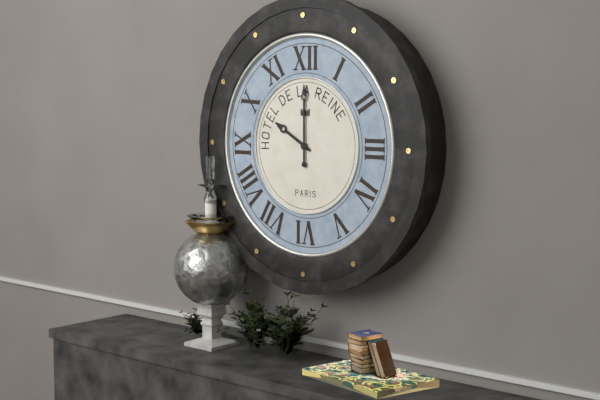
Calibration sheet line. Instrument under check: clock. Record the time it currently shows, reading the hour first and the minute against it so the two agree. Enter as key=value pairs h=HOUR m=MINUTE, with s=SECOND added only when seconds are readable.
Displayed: h=10 m=0
